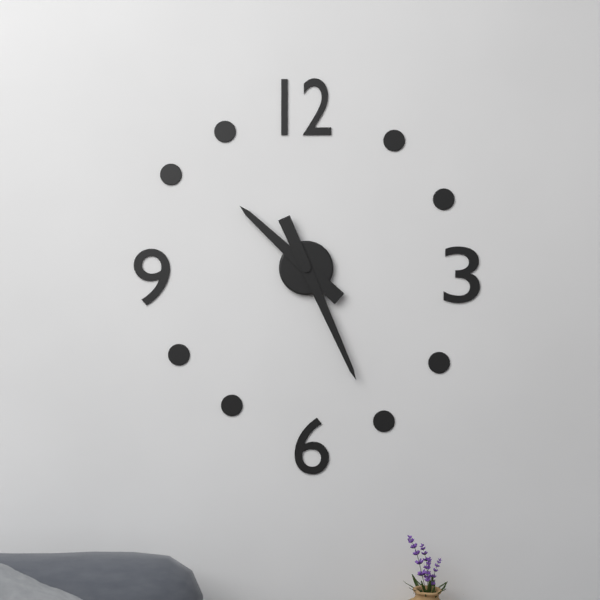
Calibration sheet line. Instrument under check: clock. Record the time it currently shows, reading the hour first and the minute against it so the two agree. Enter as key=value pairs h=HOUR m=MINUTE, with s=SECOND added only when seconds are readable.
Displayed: h=10 m=26
